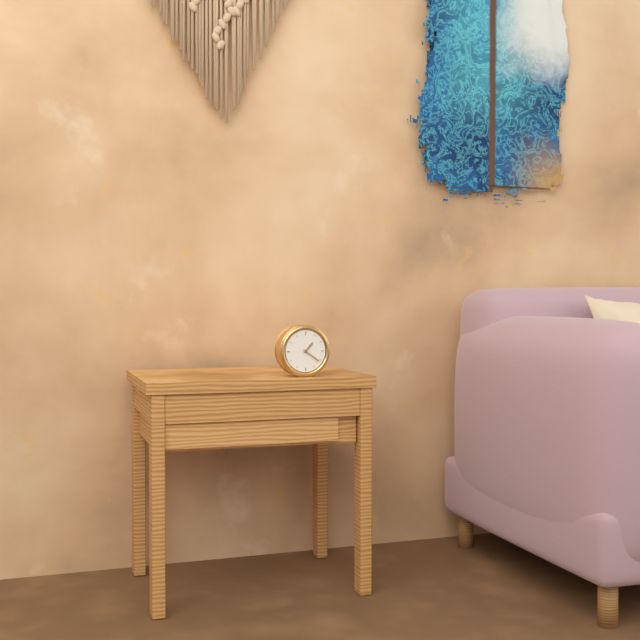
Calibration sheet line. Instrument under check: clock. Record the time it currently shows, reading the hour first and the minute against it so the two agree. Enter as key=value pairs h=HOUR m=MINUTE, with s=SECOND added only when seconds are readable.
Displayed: h=1 m=21
